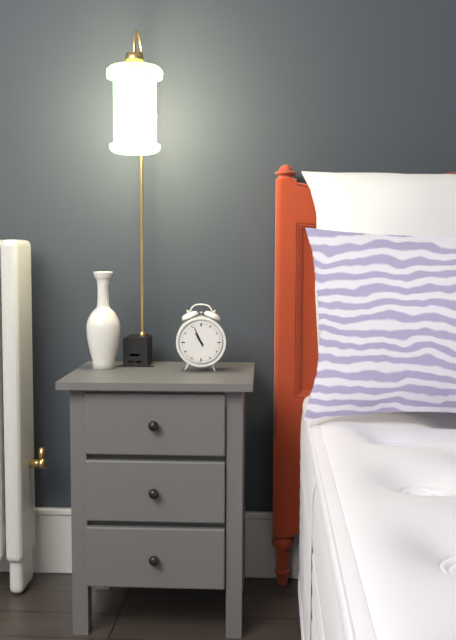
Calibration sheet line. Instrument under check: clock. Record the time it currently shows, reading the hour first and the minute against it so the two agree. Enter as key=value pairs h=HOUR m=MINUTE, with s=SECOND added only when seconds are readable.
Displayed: h=10 m=56
